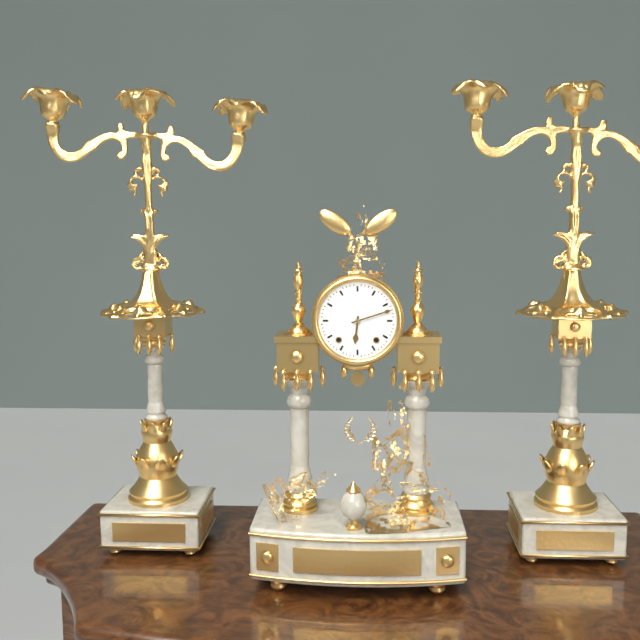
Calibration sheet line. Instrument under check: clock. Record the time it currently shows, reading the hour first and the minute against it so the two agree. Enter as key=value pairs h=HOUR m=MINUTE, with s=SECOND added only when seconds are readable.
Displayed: h=6 m=12
